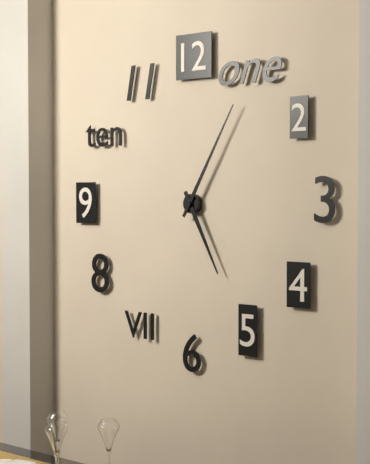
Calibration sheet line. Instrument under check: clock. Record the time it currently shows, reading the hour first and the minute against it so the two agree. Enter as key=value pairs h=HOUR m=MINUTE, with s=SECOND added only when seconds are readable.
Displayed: h=5 m=5
